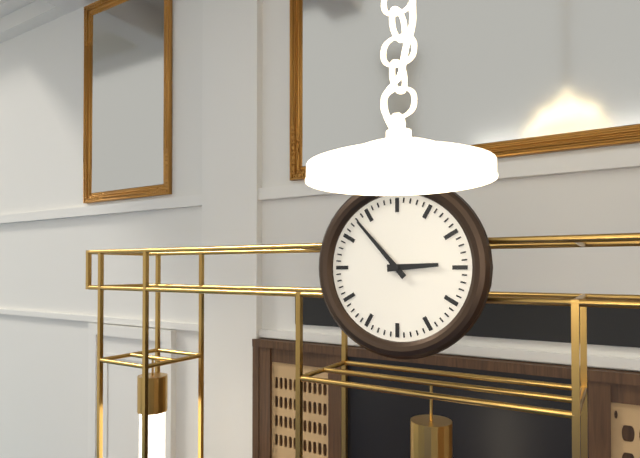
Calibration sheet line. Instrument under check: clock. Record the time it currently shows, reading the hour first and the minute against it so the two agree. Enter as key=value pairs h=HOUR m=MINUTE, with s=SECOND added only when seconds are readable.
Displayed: h=2 m=53
